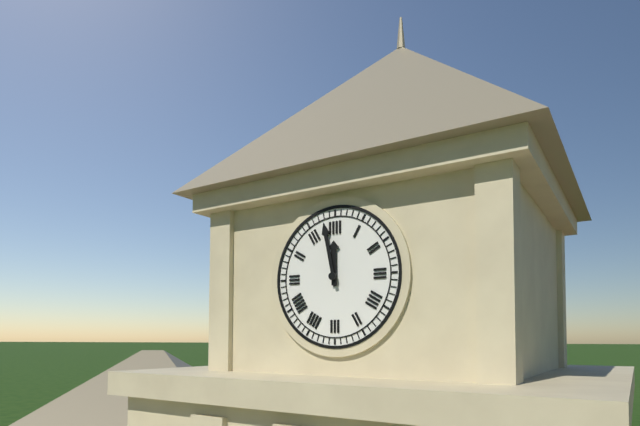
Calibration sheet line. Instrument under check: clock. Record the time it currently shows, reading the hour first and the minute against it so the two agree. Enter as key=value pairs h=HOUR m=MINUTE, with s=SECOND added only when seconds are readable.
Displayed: h=11 m=58
